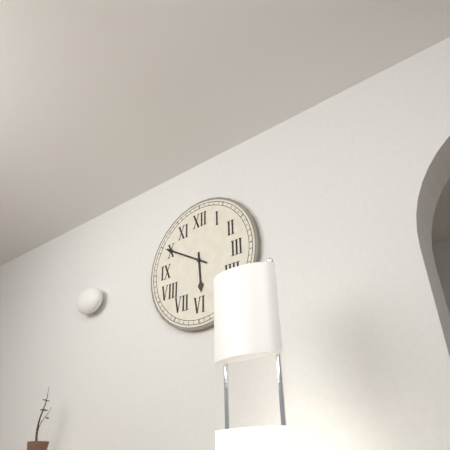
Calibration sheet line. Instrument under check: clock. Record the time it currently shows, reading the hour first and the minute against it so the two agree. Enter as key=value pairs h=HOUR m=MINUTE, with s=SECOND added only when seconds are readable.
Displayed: h=5 m=50
